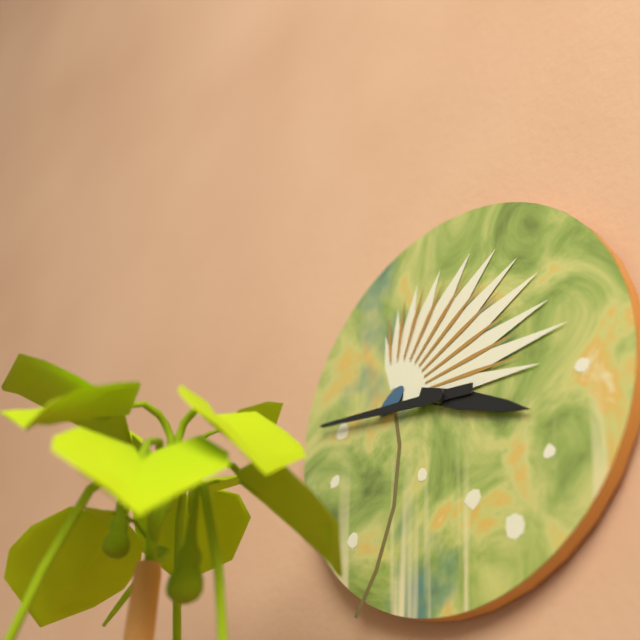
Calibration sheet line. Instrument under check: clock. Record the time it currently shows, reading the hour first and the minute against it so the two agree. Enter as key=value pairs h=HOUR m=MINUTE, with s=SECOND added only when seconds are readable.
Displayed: h=3 m=46
